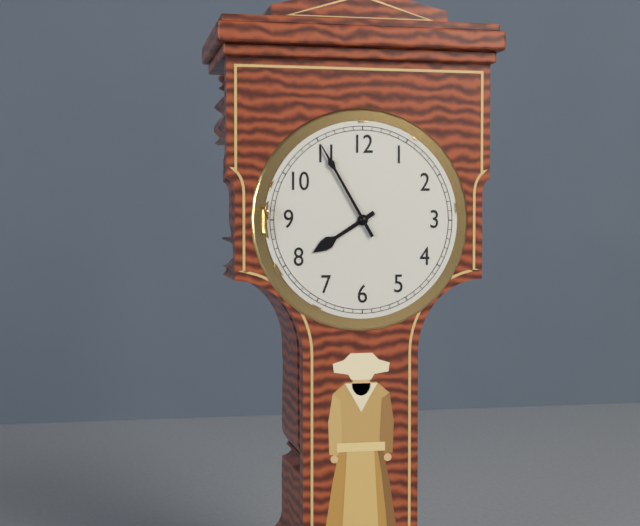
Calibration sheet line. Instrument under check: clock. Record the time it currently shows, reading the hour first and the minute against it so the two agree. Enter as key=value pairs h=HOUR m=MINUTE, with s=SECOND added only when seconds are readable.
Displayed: h=7 m=55
